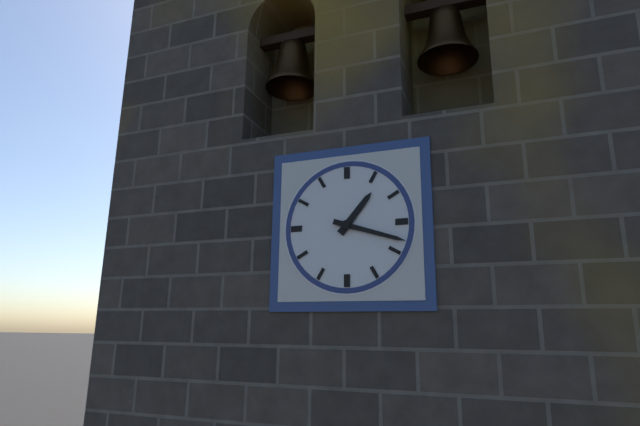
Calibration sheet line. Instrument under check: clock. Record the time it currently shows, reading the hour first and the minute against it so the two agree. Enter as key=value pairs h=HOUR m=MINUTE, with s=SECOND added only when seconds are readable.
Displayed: h=1 m=18
